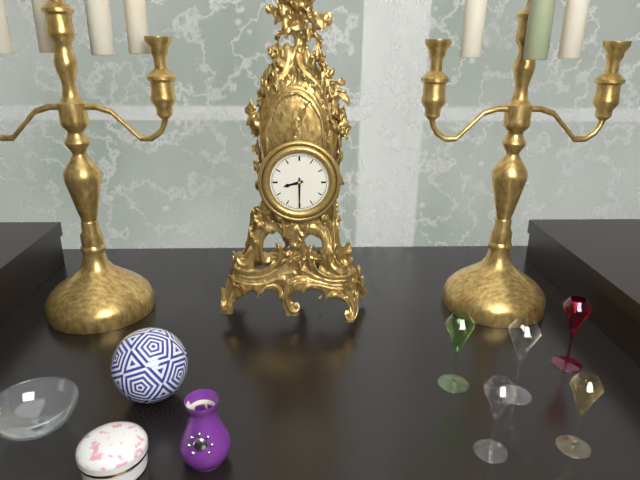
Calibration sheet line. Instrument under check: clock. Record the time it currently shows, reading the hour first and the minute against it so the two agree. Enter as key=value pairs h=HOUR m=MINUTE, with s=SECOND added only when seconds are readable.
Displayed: h=8 m=30
